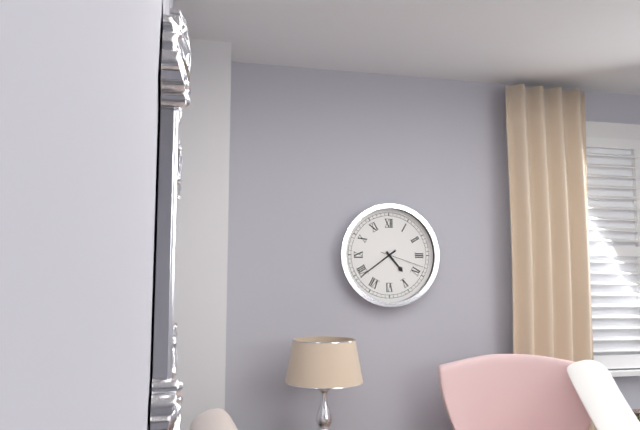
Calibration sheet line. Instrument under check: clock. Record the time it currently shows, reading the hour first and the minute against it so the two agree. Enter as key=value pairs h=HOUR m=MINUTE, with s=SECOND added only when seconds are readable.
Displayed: h=4 m=39
